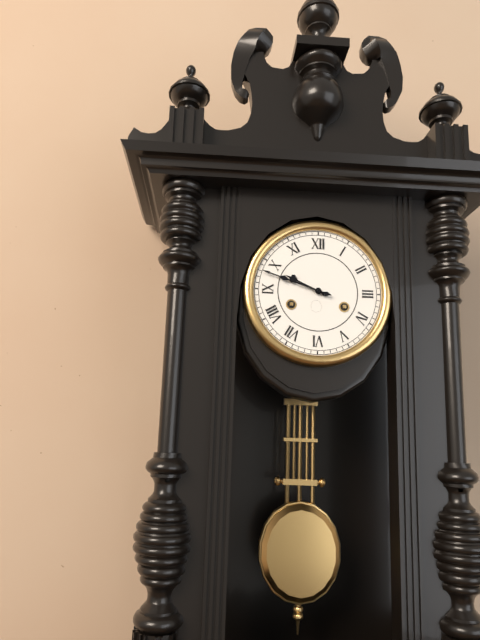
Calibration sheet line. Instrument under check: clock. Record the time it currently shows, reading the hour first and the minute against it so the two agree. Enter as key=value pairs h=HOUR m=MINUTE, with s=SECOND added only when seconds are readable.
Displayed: h=9 m=48
